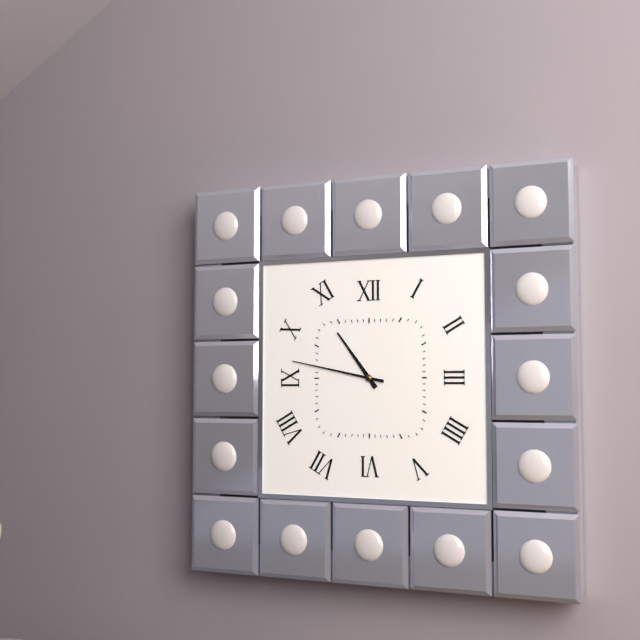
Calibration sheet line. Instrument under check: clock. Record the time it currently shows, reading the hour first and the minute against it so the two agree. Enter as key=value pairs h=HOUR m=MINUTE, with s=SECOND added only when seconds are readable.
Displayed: h=10 m=47
